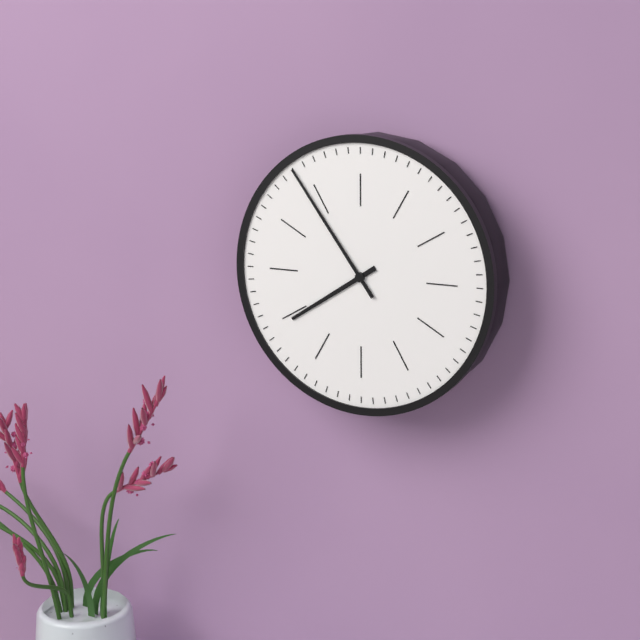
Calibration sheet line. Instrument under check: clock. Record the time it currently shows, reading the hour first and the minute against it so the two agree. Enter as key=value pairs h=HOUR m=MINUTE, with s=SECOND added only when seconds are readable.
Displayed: h=7 m=54
